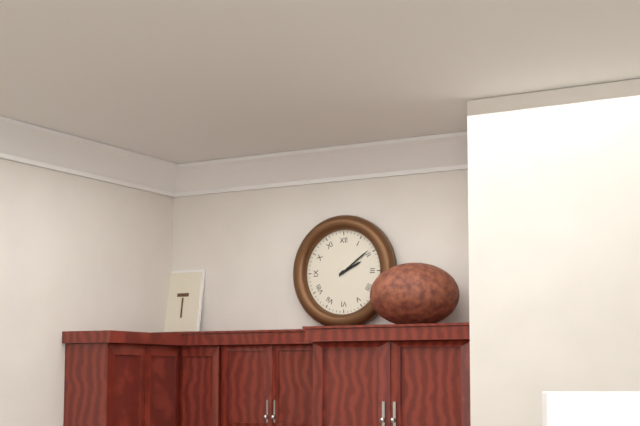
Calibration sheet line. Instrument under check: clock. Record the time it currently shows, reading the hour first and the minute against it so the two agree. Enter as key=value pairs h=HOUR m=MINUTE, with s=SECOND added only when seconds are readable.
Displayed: h=2 m=9
